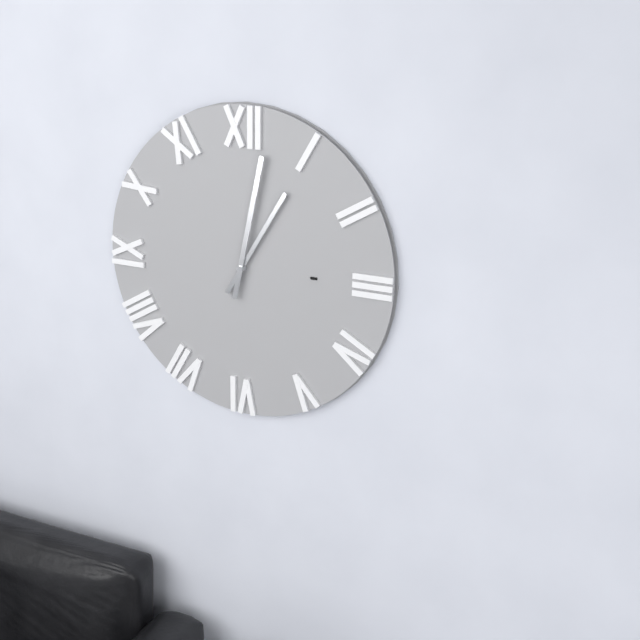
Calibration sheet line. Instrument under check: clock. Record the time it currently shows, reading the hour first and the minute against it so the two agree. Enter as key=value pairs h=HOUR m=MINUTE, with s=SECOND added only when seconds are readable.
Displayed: h=1 m=2
